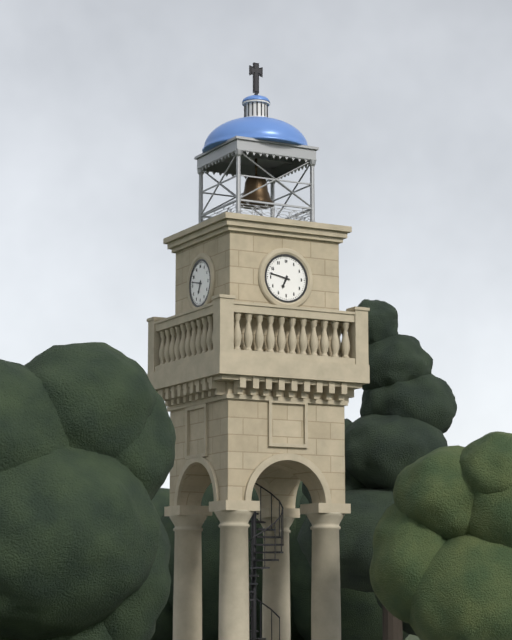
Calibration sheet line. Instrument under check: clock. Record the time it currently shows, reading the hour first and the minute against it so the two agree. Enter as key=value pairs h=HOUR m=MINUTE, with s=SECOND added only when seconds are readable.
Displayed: h=6 m=47
